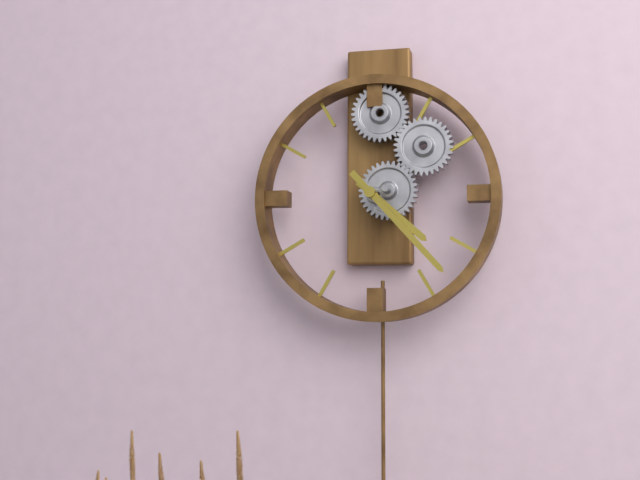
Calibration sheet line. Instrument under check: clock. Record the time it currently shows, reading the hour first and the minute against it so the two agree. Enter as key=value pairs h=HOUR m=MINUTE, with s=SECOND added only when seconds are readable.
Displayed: h=4 m=23
